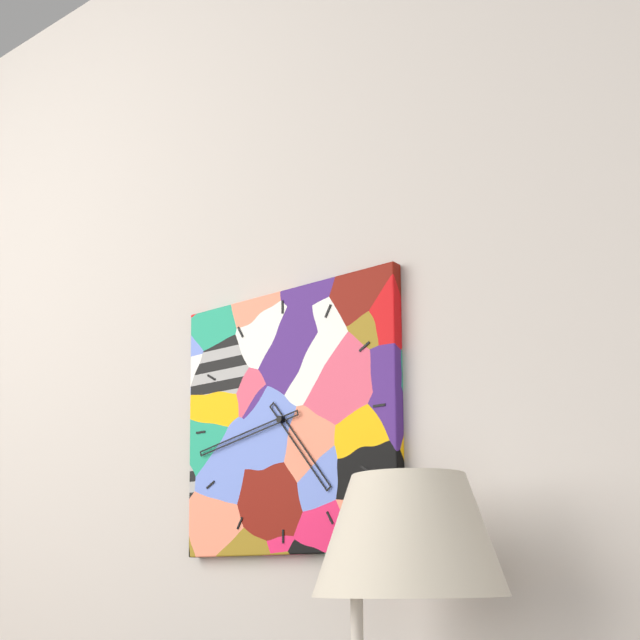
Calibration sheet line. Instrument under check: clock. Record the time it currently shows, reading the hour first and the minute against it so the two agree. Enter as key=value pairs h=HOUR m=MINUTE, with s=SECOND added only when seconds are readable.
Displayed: h=4 m=43
